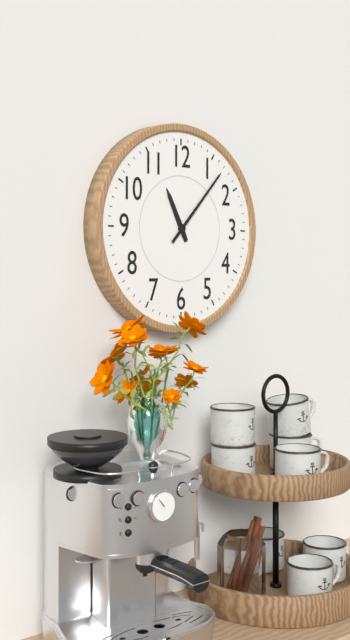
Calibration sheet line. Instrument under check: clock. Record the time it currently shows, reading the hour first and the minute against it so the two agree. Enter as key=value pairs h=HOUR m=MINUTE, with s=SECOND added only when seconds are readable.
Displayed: h=11 m=7
